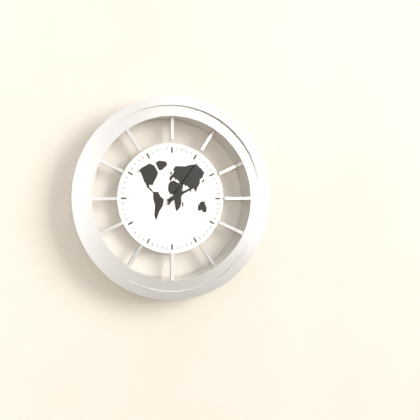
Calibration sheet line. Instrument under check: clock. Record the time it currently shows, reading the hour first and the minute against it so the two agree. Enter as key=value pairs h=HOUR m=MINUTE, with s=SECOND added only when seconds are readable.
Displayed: h=2 m=6
